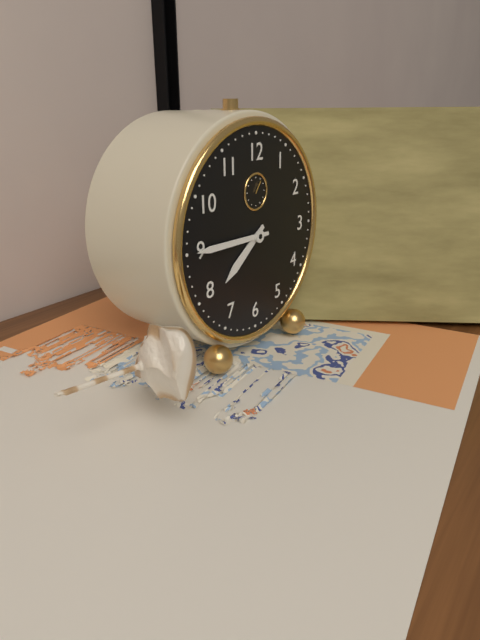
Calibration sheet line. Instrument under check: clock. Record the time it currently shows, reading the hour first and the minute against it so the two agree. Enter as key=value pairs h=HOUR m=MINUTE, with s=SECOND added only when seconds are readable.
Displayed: h=7 m=45
